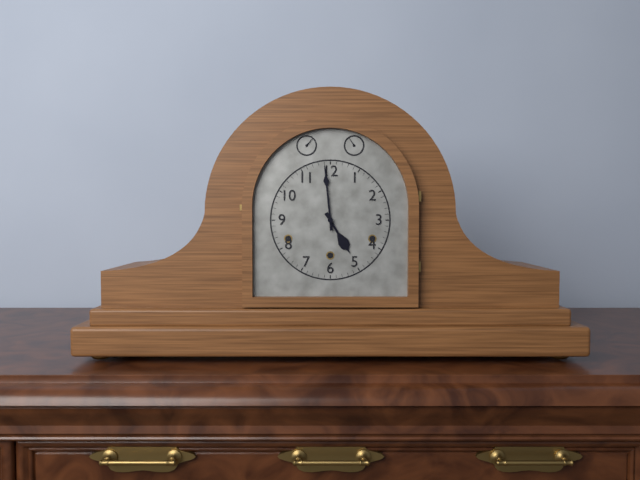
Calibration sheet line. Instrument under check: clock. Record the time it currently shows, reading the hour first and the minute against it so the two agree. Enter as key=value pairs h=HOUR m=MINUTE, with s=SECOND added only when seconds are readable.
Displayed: h=4 m=59
